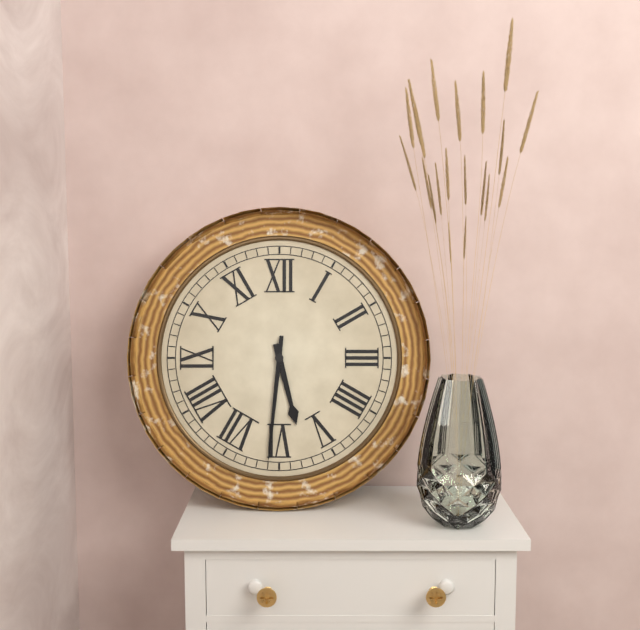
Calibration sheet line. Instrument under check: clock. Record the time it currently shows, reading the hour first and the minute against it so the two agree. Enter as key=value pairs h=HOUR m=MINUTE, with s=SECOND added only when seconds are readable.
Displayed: h=5 m=31
